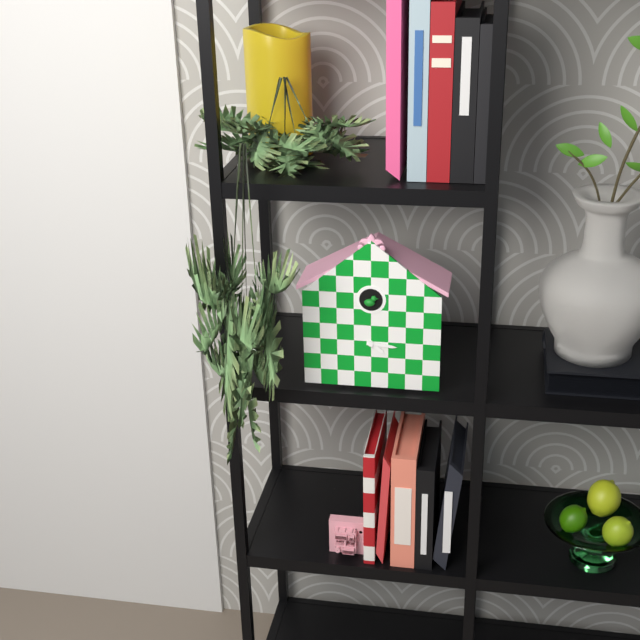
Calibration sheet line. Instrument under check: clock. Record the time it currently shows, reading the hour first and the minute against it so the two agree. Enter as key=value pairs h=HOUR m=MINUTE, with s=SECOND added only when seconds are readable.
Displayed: h=4 m=16
